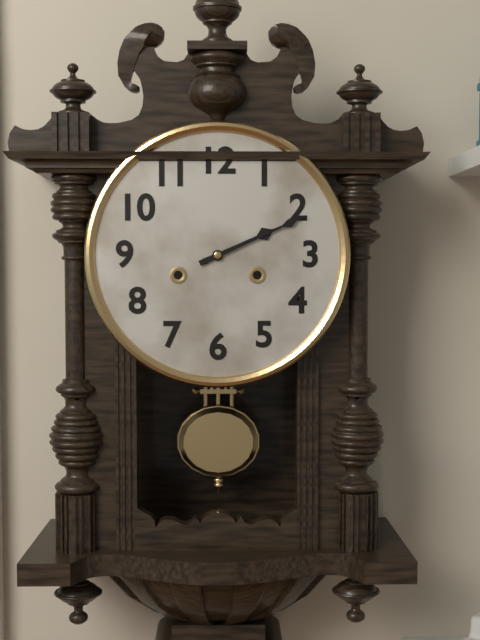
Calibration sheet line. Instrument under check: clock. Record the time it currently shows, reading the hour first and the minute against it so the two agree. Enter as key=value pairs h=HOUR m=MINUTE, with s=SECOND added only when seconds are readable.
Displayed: h=2 m=11
